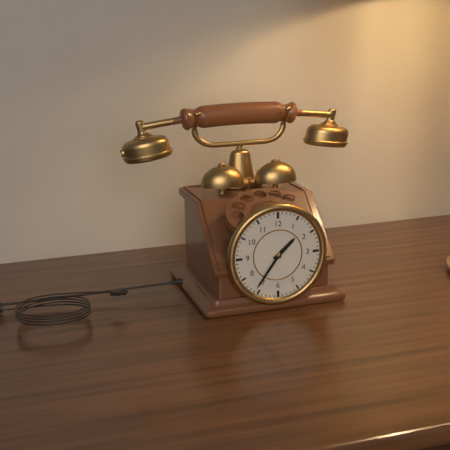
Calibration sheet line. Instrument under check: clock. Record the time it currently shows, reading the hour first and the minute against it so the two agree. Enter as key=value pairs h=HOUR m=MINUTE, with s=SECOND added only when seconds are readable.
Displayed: h=1 m=36
